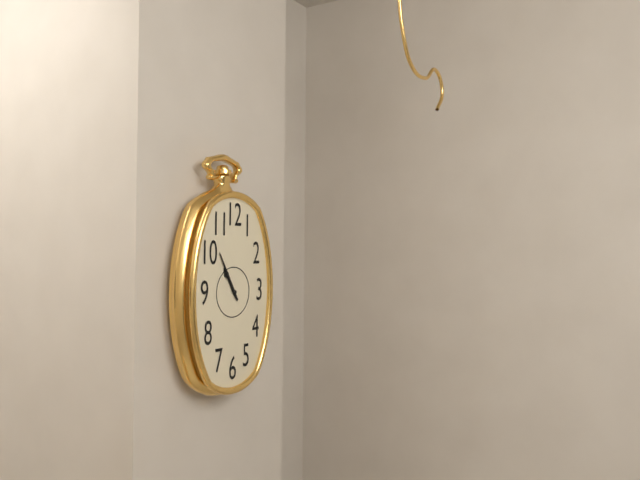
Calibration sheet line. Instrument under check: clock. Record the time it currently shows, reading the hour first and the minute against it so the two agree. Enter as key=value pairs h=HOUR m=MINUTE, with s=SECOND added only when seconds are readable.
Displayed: h=10 m=55
